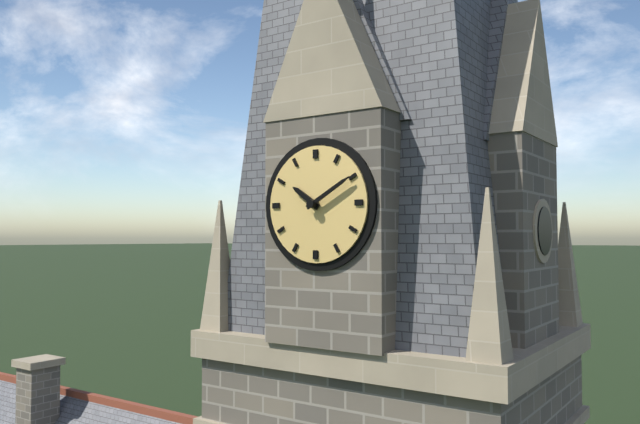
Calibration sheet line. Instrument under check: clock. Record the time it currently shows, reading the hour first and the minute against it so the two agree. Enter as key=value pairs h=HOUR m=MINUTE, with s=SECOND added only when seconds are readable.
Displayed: h=10 m=10
